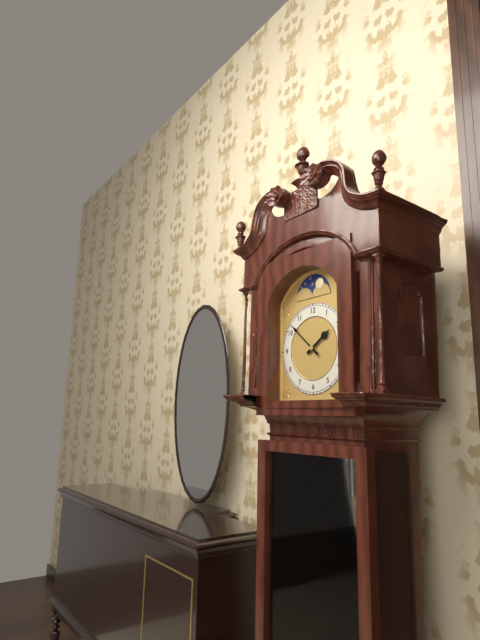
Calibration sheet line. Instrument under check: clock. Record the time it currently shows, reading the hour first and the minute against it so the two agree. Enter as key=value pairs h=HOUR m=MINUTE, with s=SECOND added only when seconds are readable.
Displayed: h=1 m=52
